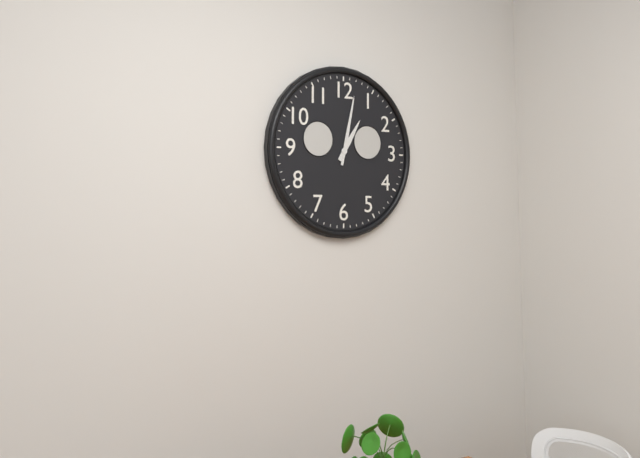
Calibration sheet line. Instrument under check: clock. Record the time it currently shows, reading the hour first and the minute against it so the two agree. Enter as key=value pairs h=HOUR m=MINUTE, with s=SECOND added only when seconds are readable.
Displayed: h=1 m=2
